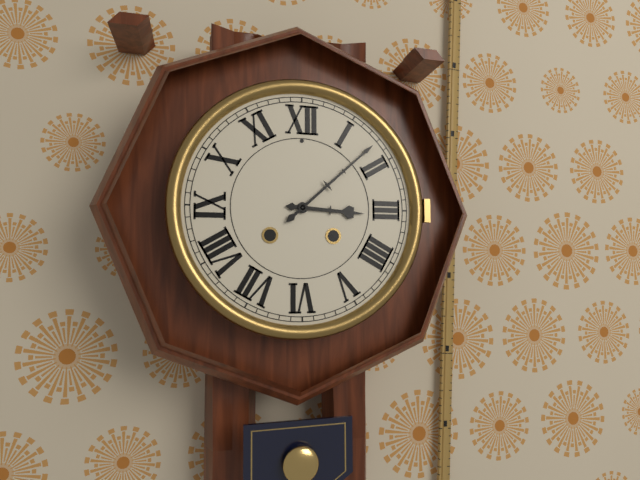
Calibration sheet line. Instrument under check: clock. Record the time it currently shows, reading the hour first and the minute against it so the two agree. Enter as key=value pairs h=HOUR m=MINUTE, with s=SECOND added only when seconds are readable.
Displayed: h=3 m=8
